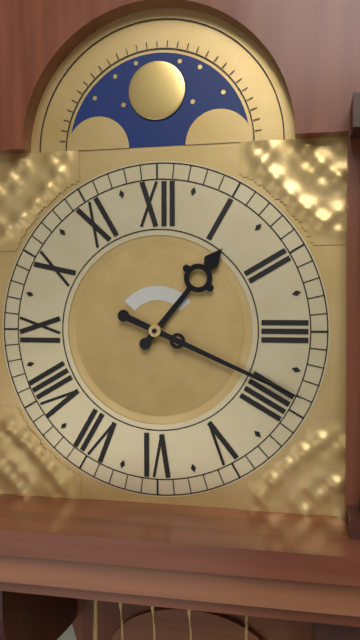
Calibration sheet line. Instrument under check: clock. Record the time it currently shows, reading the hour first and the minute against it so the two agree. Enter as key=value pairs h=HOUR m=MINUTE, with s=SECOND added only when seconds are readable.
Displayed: h=1 m=19
